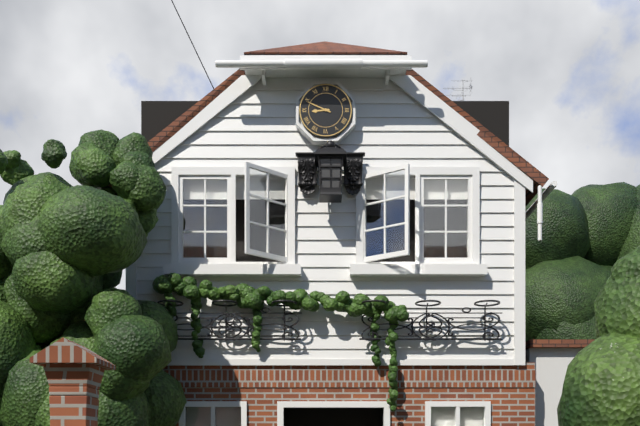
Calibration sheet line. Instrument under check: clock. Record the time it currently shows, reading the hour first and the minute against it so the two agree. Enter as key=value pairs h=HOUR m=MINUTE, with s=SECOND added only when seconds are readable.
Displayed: h=8 m=49
